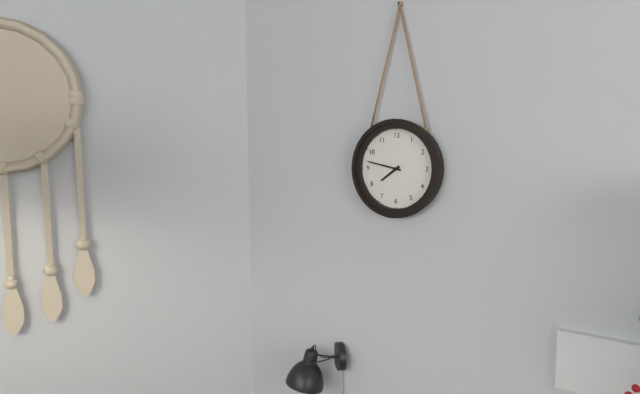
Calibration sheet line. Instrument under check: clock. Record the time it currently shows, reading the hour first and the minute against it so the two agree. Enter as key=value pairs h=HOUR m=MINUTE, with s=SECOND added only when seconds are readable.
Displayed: h=7 m=47
